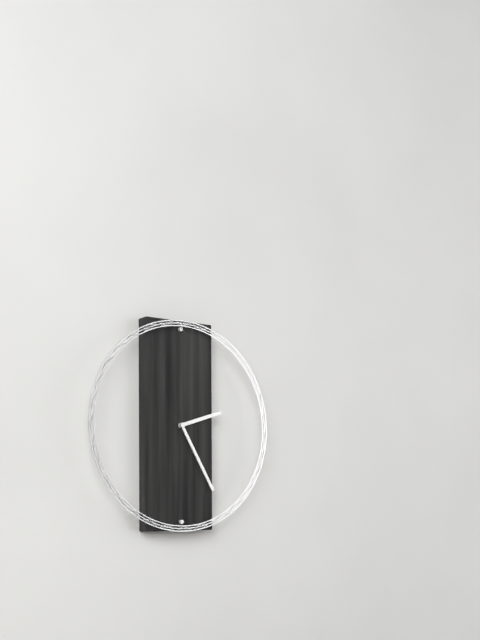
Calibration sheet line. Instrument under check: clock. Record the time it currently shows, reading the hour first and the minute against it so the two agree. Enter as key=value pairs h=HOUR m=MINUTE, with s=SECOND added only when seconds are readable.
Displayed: h=2 m=25
